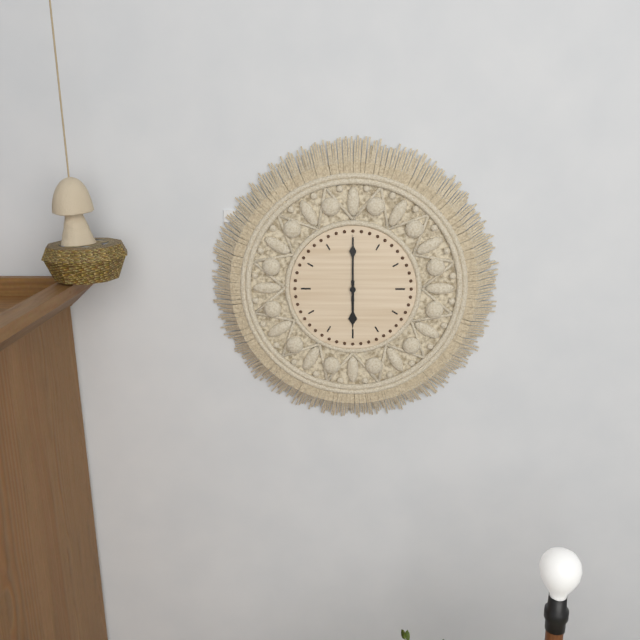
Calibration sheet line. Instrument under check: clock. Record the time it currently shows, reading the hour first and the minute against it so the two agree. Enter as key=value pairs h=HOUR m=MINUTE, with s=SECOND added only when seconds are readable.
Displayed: h=6 m=0
